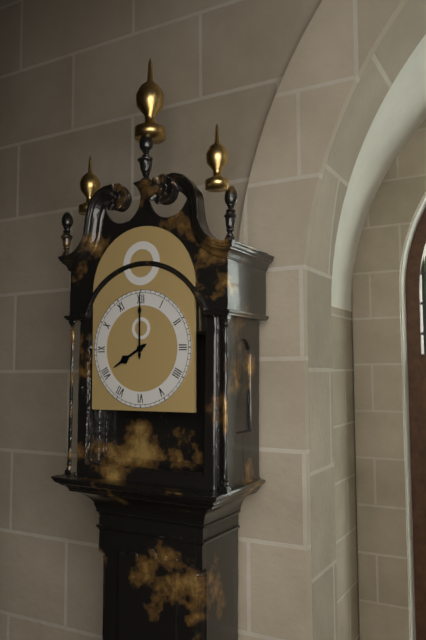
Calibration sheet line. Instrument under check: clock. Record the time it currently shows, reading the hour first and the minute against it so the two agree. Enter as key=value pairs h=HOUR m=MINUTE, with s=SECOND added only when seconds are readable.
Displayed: h=8 m=0
